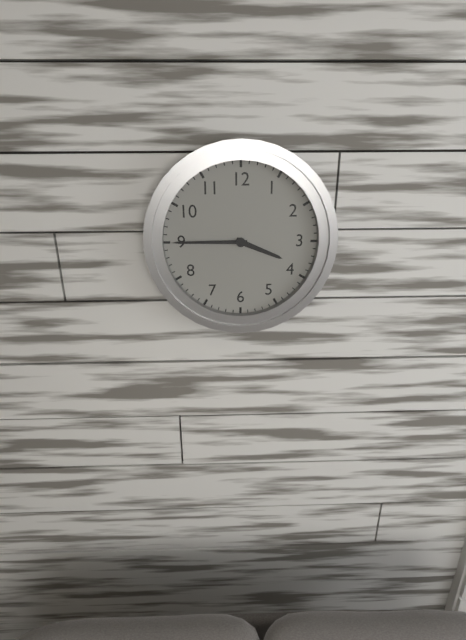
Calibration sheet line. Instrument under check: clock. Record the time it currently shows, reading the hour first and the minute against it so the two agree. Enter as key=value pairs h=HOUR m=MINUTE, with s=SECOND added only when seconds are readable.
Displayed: h=3 m=45
